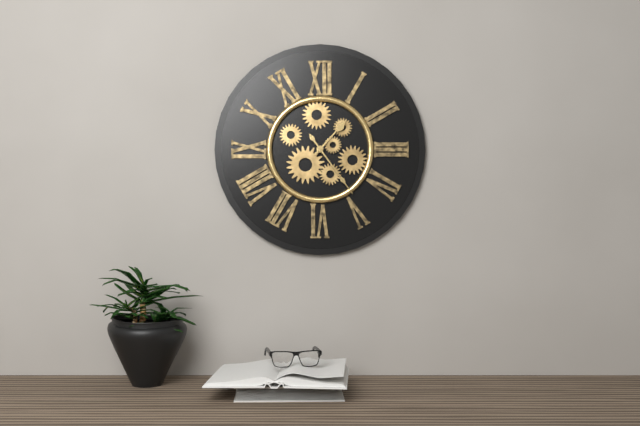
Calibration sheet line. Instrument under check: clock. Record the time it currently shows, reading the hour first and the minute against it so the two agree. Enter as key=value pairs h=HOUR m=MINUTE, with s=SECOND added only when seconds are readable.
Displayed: h=1 m=24
